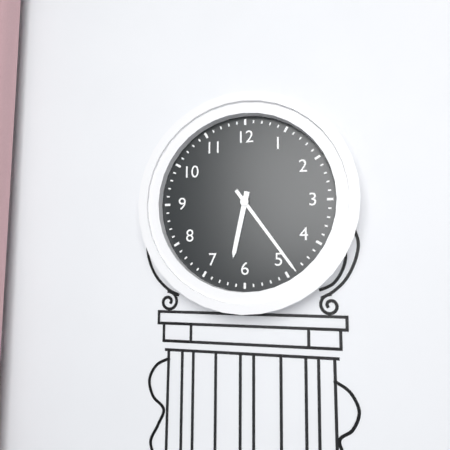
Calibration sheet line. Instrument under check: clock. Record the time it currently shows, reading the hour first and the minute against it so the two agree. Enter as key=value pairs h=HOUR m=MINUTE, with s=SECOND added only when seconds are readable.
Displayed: h=6 m=24
